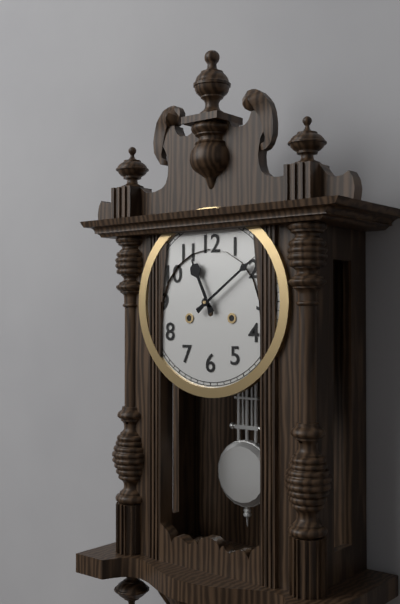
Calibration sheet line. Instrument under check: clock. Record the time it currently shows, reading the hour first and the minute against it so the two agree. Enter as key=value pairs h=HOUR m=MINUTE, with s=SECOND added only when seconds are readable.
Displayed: h=11 m=9
